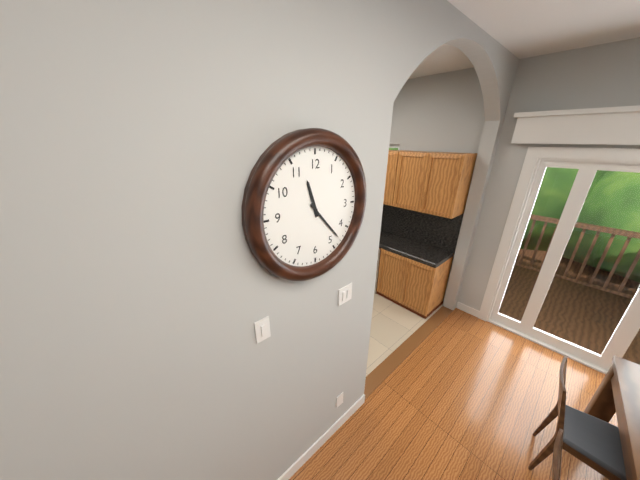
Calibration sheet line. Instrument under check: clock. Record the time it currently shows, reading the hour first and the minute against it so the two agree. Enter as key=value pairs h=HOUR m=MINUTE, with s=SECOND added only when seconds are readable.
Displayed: h=11 m=23
